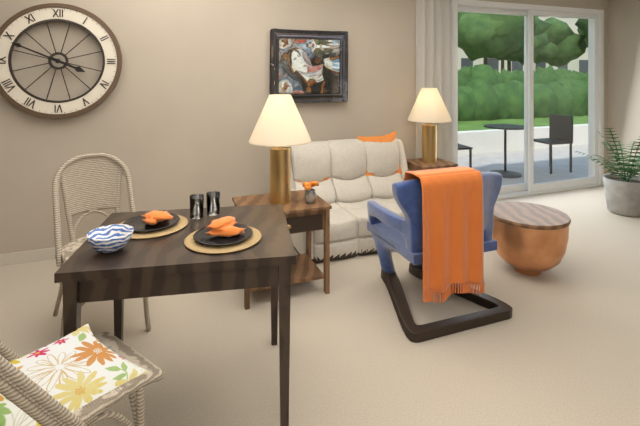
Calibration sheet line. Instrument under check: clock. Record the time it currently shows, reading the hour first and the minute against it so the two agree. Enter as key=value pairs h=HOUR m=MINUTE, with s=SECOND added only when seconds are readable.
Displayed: h=3 m=49
